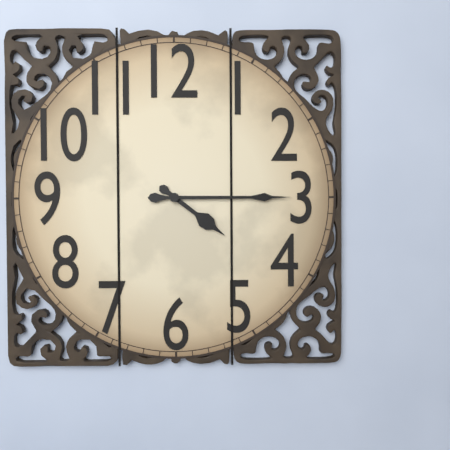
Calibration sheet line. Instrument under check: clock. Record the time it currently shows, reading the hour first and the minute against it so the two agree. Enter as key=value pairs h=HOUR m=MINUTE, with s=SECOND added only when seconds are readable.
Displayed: h=4 m=15
